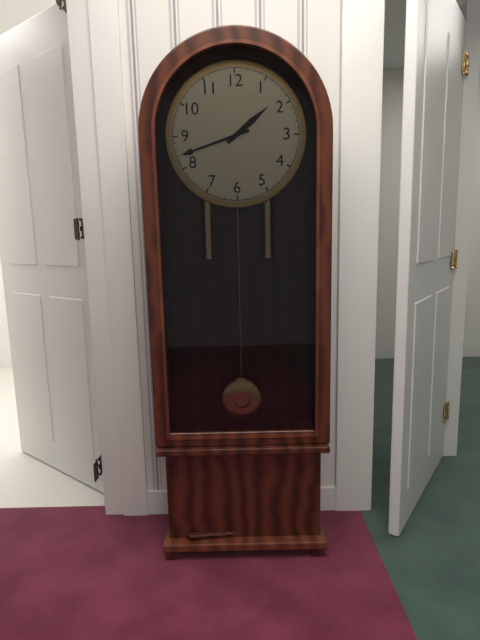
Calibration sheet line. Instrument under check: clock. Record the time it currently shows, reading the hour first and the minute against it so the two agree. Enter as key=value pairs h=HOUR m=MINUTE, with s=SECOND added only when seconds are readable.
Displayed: h=1 m=42
